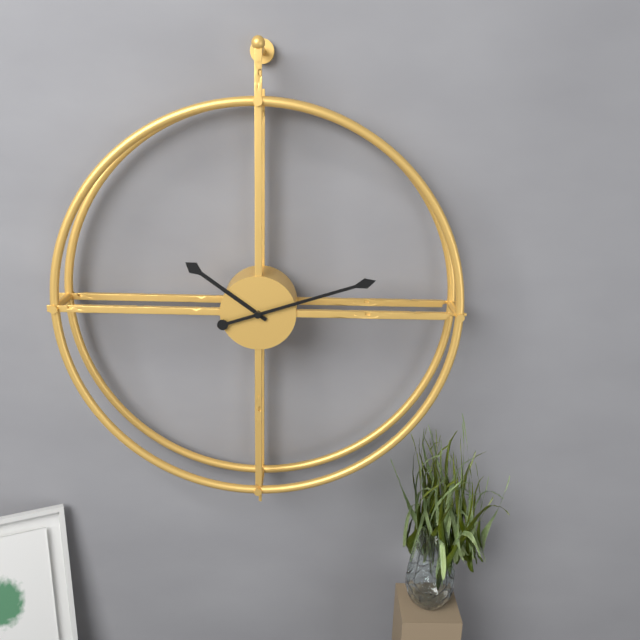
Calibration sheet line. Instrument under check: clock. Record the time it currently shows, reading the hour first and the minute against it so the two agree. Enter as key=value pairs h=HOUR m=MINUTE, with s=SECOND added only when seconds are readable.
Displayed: h=10 m=12
